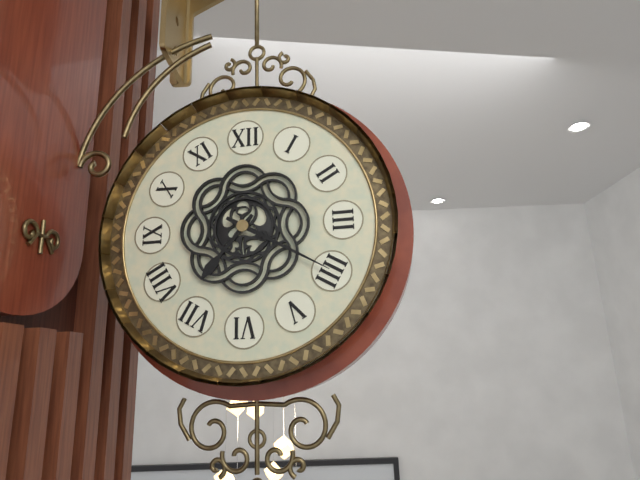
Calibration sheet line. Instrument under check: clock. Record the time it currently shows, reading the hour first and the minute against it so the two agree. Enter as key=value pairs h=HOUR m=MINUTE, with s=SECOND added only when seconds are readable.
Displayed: h=7 m=20
